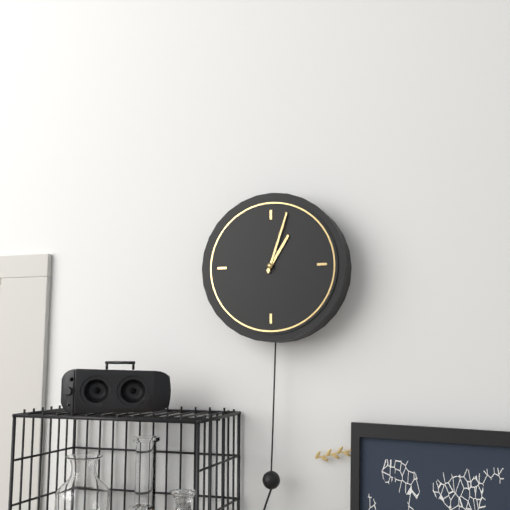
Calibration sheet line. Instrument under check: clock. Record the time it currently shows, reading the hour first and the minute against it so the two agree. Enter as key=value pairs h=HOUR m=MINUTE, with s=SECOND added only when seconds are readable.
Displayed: h=1 m=3
